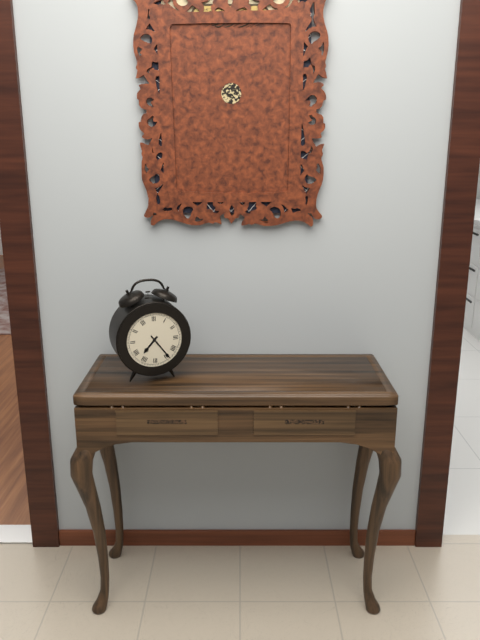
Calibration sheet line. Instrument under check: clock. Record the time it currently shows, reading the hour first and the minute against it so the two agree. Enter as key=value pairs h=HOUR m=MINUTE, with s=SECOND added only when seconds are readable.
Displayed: h=7 m=24
